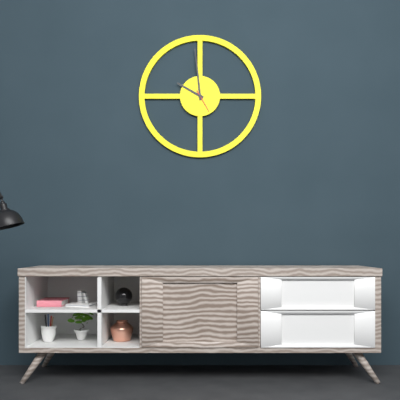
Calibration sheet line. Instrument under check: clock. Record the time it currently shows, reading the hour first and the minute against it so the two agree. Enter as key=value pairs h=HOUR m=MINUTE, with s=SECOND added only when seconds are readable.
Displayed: h=9 m=59
